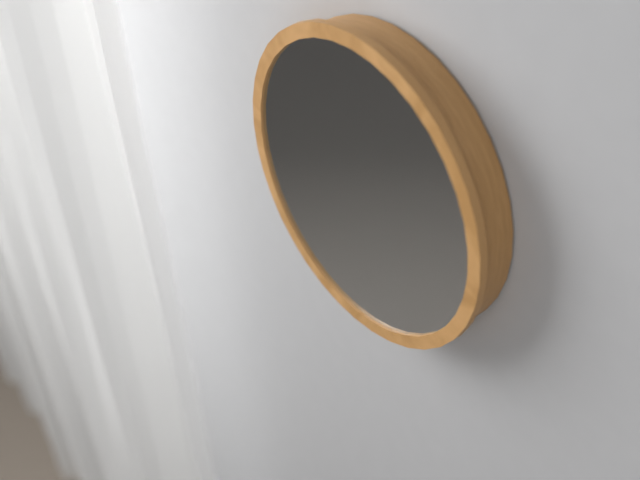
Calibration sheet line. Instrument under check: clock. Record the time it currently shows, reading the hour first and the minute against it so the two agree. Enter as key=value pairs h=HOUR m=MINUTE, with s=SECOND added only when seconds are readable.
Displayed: h=11 m=55
